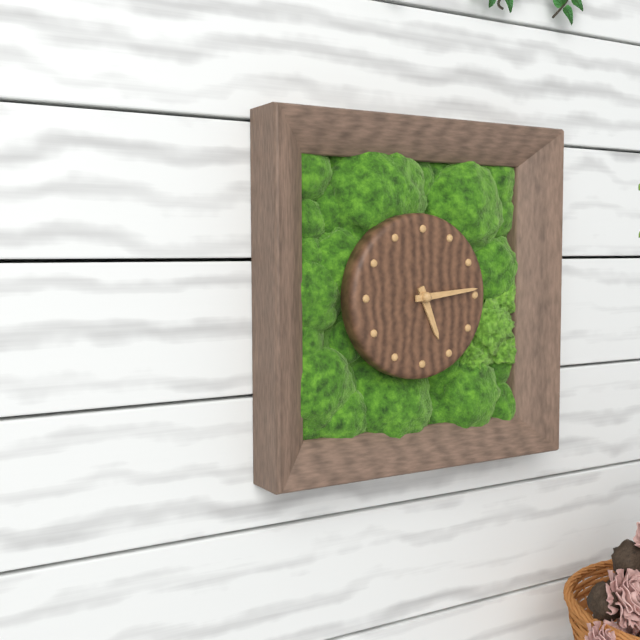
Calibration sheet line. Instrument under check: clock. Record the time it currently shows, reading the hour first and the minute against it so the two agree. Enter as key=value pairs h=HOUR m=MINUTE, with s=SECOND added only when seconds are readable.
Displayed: h=5 m=14
